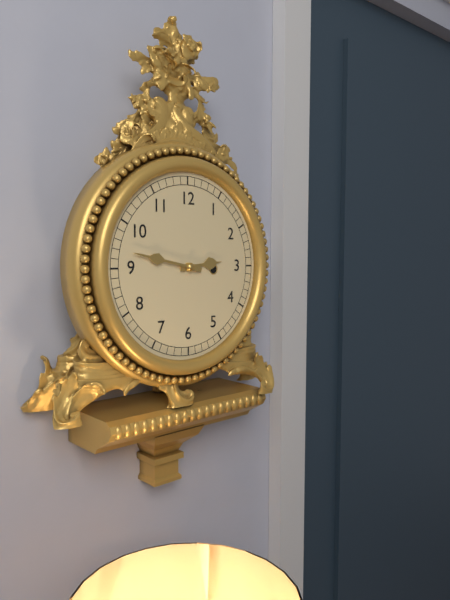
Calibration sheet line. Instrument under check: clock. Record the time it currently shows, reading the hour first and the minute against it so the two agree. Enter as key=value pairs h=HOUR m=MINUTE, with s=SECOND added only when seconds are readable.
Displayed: h=2 m=47
